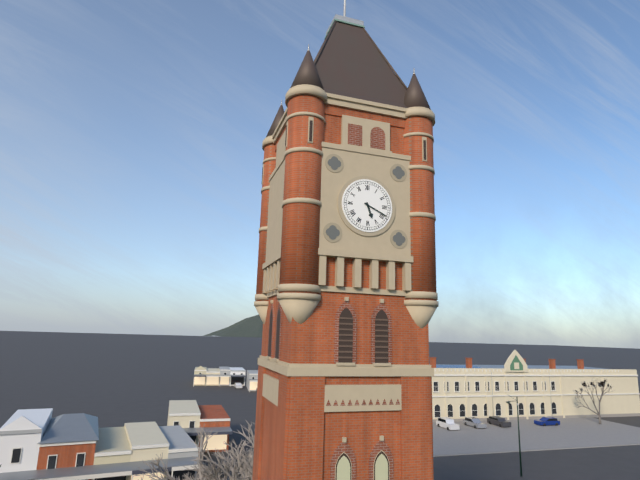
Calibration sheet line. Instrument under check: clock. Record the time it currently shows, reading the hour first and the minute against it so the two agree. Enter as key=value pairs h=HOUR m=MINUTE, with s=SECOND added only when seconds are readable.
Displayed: h=5 m=19
